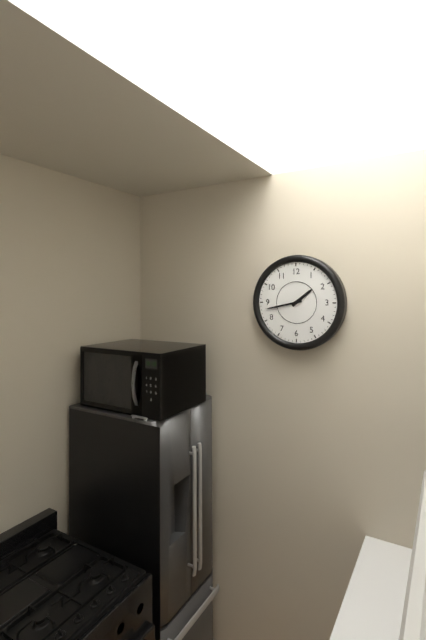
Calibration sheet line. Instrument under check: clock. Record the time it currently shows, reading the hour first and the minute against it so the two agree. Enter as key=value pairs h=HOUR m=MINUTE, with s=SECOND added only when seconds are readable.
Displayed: h=1 m=43
